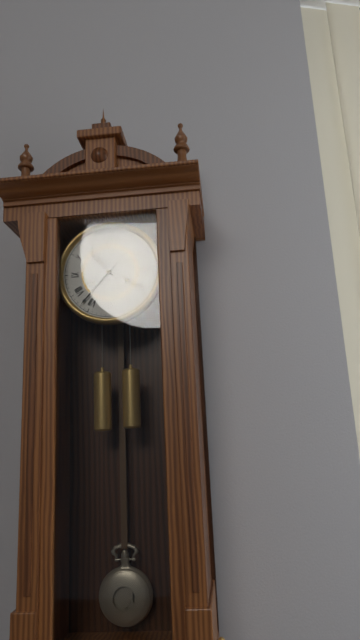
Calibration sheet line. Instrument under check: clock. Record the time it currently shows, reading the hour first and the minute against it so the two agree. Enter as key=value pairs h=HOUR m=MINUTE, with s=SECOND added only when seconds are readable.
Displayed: h=10 m=37
